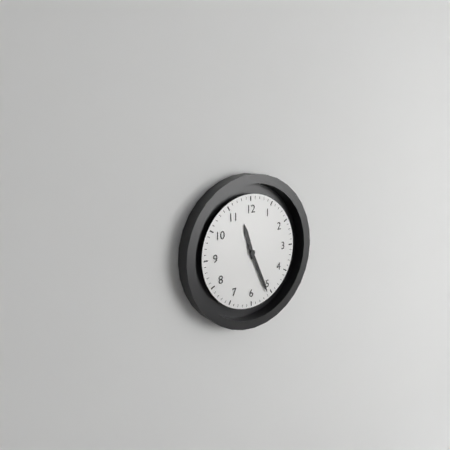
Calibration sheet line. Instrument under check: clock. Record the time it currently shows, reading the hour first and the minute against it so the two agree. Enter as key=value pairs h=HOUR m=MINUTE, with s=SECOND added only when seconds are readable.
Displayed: h=11 m=26
